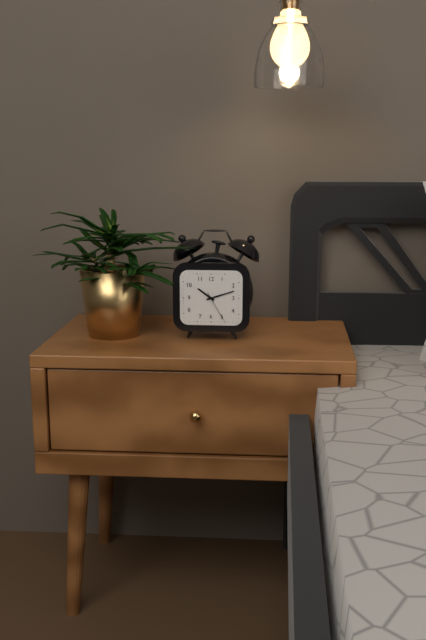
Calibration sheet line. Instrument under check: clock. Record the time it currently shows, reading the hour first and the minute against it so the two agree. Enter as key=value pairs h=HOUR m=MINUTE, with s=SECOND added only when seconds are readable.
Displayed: h=10 m=12
